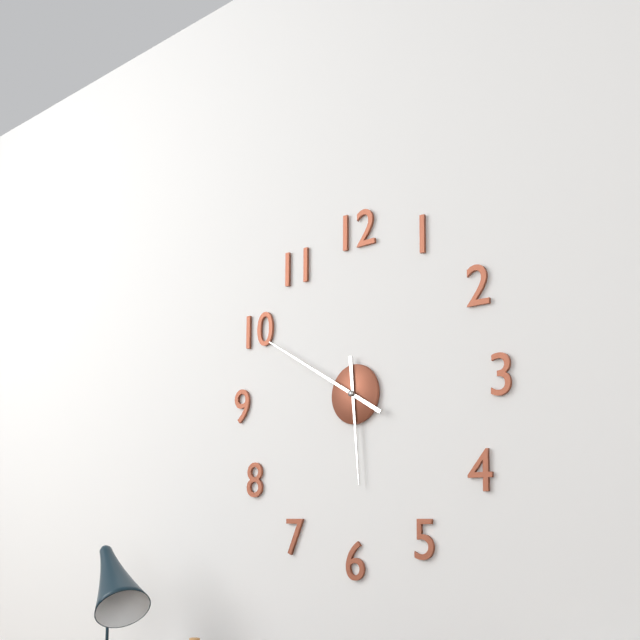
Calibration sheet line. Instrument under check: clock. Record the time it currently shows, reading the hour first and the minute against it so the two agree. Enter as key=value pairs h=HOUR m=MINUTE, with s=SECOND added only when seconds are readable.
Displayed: h=5 m=50
